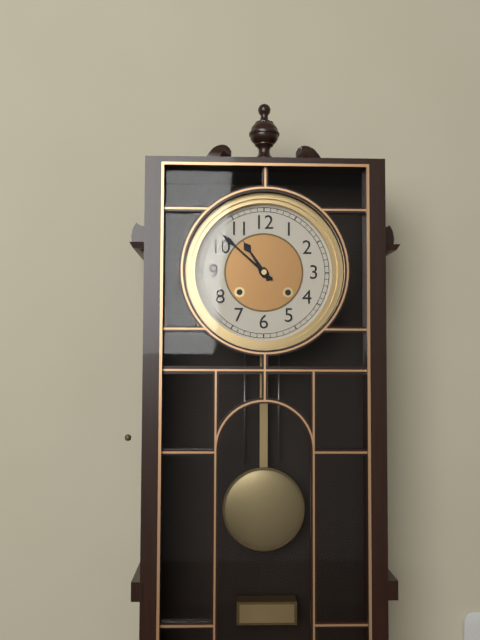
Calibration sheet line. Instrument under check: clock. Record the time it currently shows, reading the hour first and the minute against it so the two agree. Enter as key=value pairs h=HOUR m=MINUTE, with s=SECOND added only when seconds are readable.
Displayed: h=10 m=52
